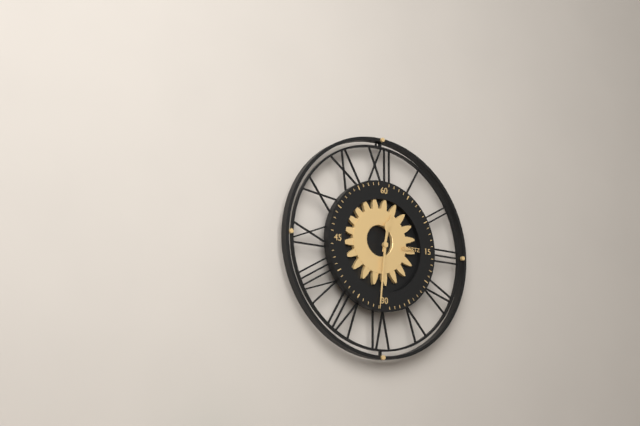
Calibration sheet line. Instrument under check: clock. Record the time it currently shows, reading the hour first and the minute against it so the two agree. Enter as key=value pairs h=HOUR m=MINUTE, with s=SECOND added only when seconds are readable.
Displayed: h=12 m=31
